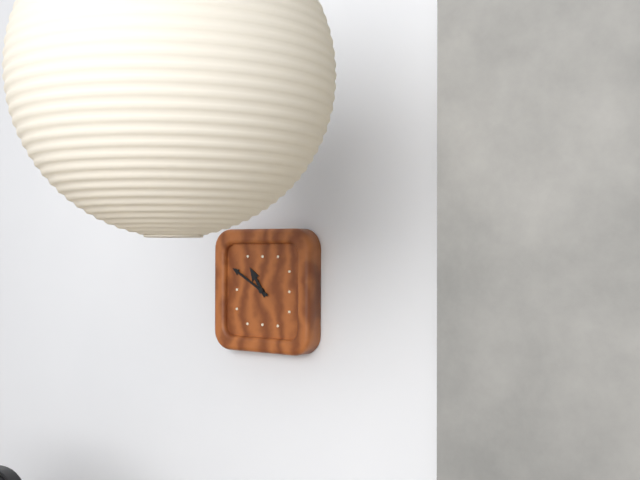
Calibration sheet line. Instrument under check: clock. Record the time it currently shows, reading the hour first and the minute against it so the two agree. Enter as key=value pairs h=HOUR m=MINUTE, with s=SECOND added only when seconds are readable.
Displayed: h=10 m=50
